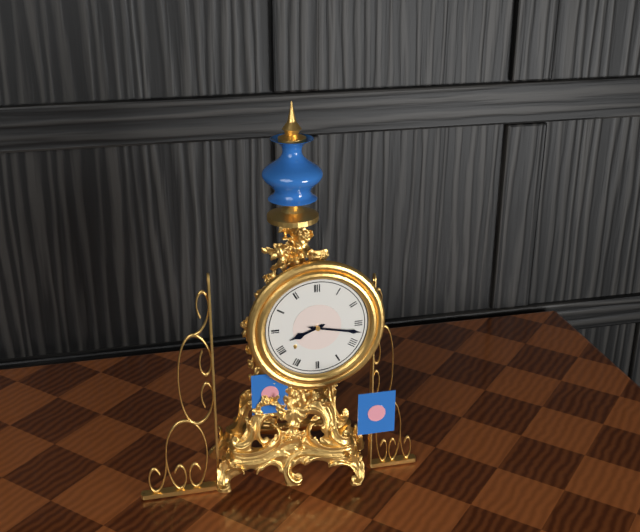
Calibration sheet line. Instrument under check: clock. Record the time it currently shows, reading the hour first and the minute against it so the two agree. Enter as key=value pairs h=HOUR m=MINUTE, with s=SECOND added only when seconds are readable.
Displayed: h=8 m=17
